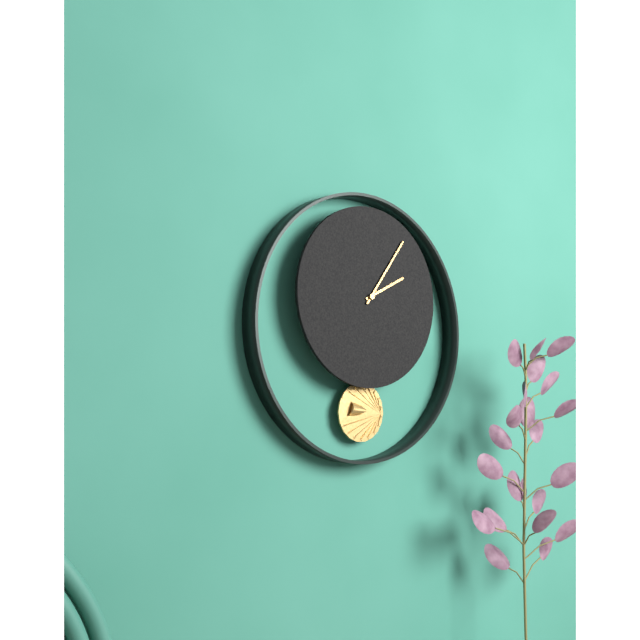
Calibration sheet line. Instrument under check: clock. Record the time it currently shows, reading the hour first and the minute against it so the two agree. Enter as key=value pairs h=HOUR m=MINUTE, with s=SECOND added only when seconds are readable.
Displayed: h=2 m=6
